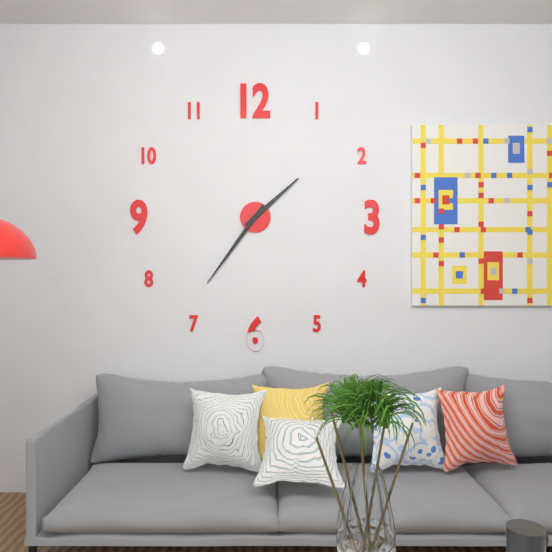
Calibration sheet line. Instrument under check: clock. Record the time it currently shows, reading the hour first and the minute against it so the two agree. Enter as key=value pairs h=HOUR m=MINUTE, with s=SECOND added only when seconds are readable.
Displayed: h=1 m=36
